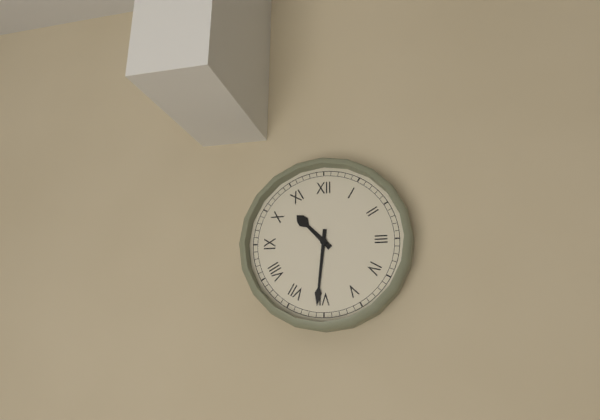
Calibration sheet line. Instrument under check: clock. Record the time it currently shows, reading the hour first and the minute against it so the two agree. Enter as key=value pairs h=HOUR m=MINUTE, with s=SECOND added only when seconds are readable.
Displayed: h=10 m=31
